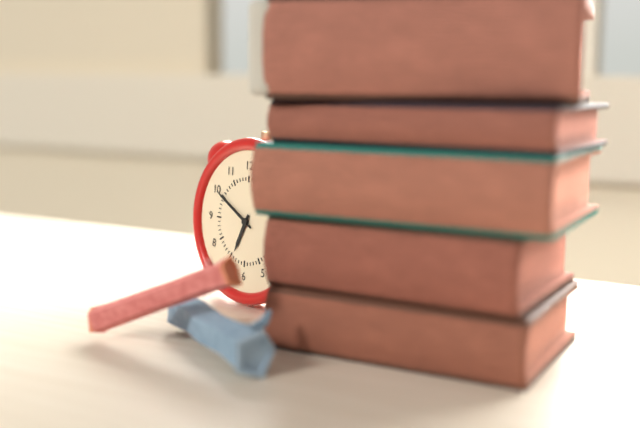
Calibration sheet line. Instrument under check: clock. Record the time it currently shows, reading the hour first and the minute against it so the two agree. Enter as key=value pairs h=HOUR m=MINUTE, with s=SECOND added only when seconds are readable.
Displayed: h=6 m=50
